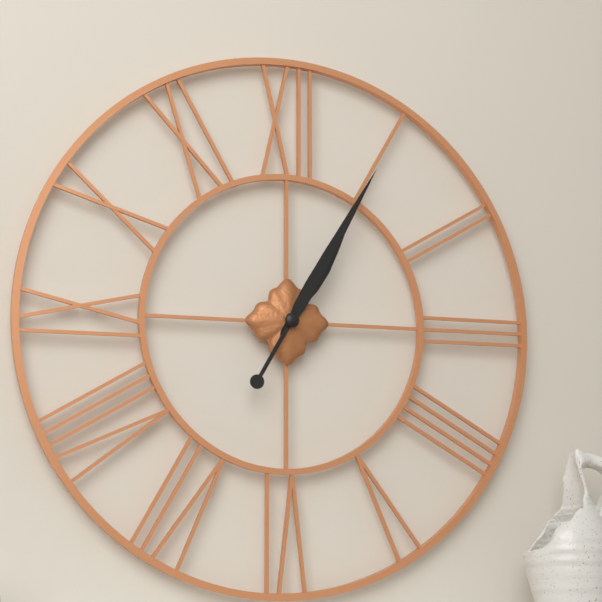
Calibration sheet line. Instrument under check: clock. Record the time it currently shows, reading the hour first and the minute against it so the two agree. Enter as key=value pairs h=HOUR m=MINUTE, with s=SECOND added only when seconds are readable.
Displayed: h=1 m=5
